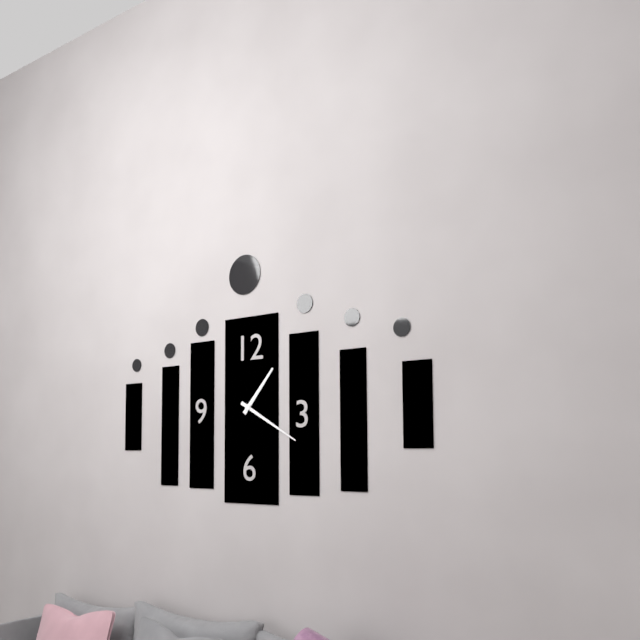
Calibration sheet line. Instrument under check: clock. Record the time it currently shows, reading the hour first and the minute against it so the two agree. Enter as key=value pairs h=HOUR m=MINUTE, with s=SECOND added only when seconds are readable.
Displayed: h=1 m=20
